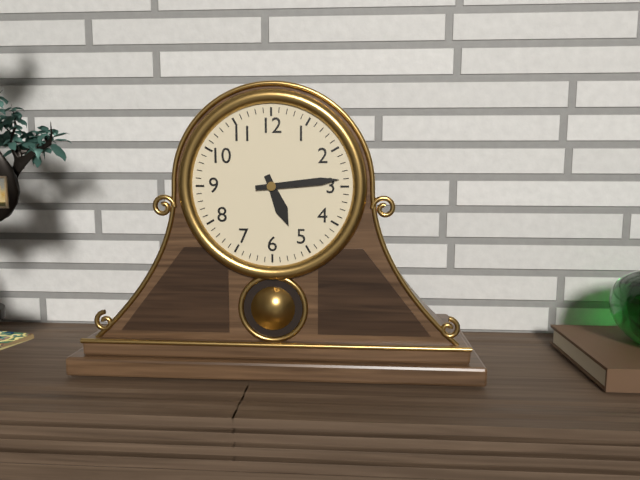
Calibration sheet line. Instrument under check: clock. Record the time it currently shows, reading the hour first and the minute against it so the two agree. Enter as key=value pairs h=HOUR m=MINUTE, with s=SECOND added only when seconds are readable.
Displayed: h=5 m=14
